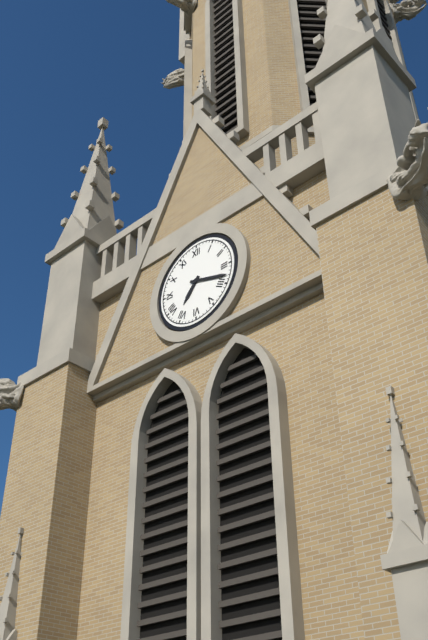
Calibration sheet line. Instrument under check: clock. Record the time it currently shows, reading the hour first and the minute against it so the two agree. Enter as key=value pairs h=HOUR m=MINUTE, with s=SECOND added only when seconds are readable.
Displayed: h=7 m=18
